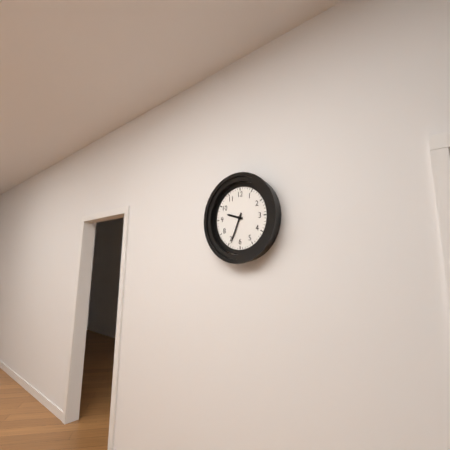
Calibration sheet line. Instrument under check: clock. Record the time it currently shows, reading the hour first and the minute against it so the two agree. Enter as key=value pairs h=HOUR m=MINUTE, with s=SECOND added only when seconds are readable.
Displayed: h=9 m=34
